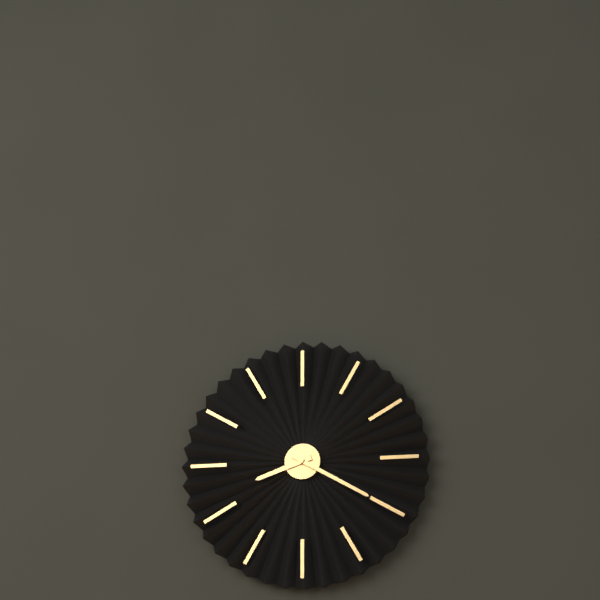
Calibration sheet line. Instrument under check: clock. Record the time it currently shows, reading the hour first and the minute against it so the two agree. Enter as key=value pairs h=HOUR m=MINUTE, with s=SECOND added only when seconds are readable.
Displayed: h=8 m=20
